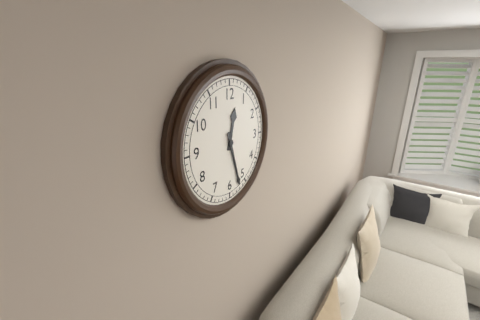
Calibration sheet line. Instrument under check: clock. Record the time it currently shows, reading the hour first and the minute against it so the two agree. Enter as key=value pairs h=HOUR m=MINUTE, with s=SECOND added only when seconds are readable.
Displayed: h=12 m=27
